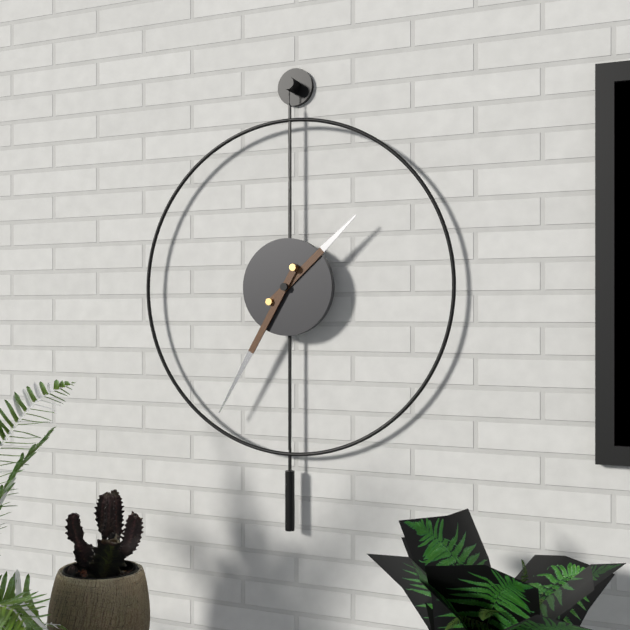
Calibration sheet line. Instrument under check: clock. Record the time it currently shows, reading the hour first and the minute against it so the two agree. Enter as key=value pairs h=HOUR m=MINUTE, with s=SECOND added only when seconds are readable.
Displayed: h=1 m=35
